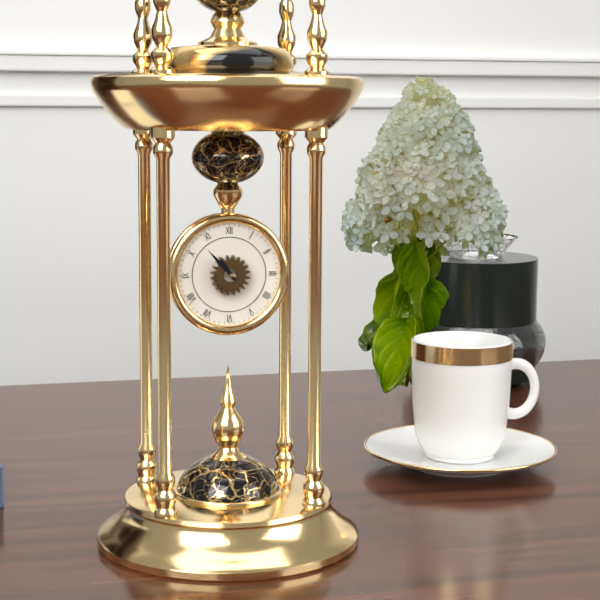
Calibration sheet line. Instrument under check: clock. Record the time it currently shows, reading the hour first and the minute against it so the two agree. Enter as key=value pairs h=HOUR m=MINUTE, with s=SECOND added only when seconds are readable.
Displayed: h=10 m=53
